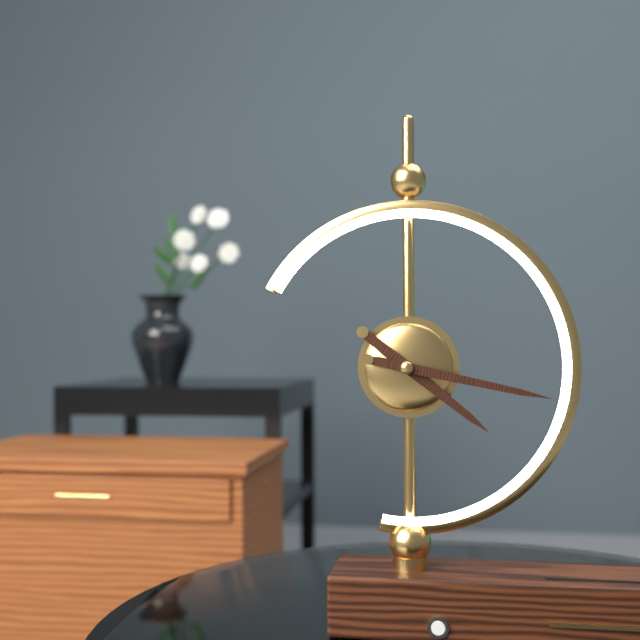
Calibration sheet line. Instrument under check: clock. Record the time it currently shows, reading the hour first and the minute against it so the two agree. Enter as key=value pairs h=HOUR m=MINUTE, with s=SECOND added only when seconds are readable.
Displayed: h=4 m=17
